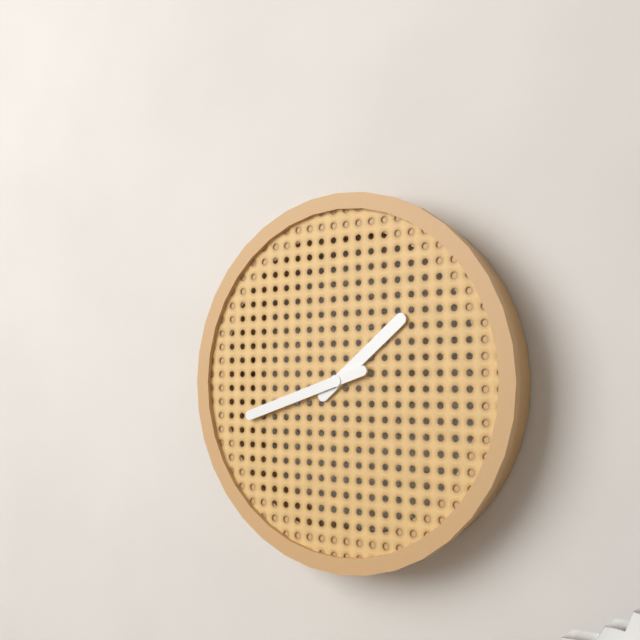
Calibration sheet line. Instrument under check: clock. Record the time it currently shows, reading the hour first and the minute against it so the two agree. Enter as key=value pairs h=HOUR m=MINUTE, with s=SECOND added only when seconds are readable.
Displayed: h=1 m=42
